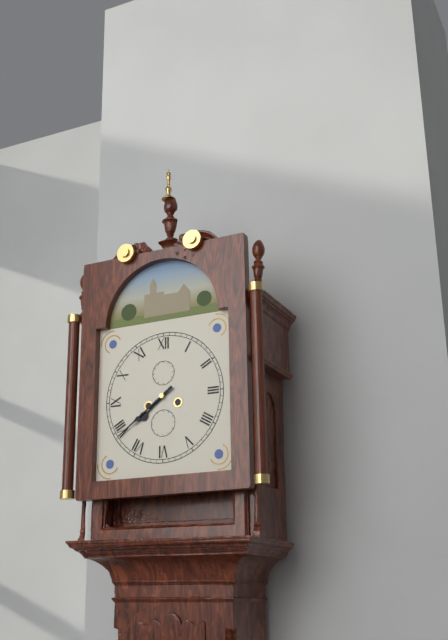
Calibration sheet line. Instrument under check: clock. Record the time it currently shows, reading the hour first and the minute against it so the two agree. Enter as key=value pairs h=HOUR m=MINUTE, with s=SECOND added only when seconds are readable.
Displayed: h=7 m=39
